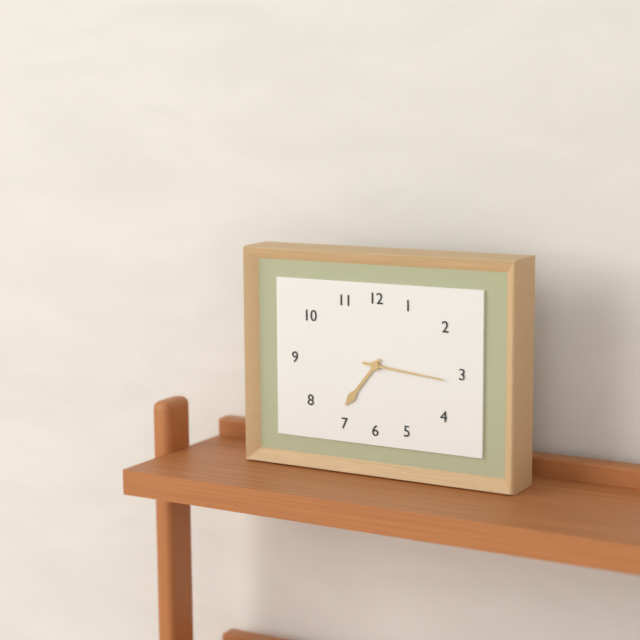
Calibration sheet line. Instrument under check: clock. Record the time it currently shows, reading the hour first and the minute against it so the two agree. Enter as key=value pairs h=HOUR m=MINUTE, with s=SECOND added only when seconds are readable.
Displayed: h=7 m=16
